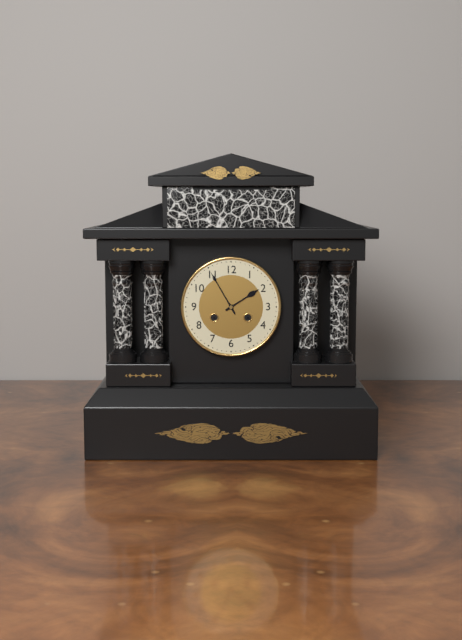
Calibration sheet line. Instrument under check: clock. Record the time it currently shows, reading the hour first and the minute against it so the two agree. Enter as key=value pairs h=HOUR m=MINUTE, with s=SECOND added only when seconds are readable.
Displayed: h=1 m=55
